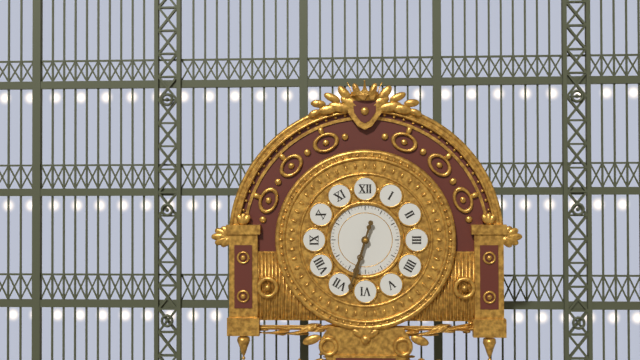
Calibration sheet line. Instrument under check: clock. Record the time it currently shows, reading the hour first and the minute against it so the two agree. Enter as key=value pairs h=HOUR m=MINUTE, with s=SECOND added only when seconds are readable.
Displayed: h=6 m=33
